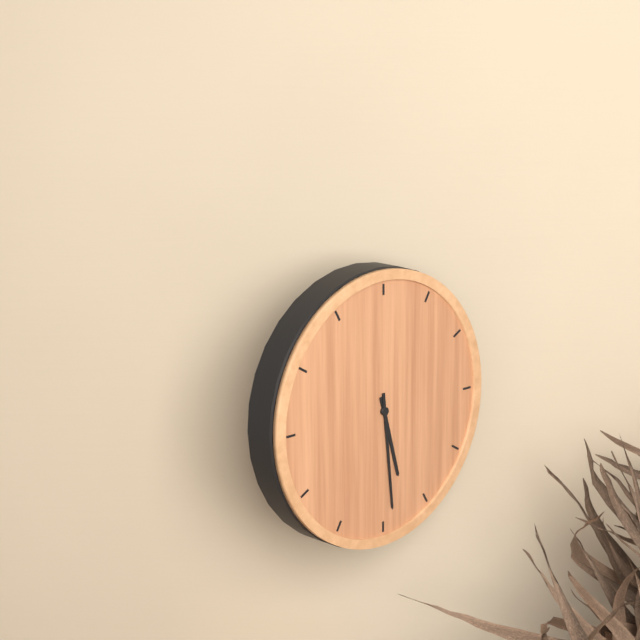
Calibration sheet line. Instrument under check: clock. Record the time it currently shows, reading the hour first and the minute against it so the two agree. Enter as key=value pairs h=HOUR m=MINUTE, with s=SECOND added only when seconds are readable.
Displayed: h=5 m=29
